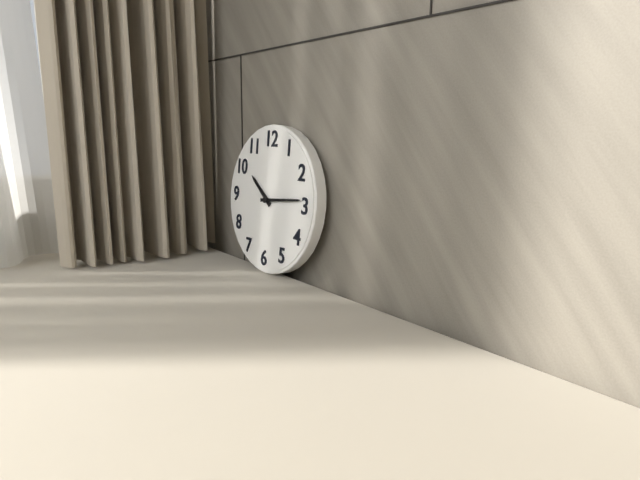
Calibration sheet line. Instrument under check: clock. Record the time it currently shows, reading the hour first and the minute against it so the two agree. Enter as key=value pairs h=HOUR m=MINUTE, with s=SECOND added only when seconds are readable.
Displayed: h=10 m=14
